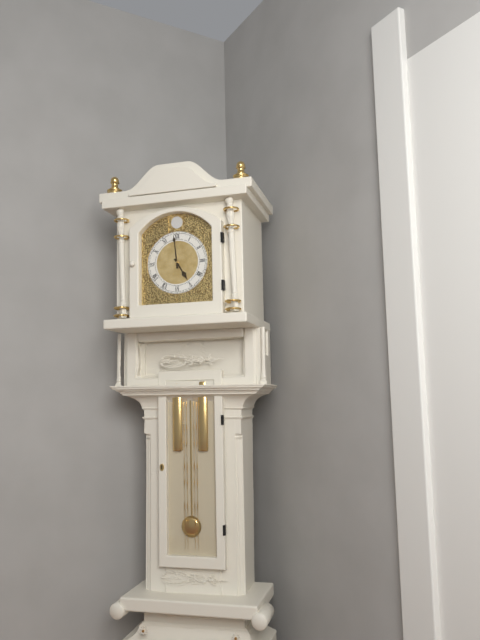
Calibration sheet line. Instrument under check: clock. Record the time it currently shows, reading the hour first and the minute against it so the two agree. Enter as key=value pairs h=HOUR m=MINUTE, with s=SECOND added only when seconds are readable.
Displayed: h=4 m=59
